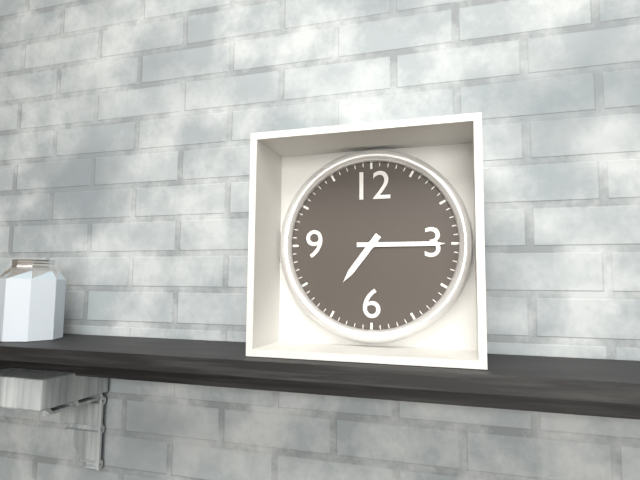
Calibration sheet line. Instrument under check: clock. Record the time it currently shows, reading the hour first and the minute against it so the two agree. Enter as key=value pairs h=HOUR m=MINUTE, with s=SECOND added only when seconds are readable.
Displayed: h=7 m=15
